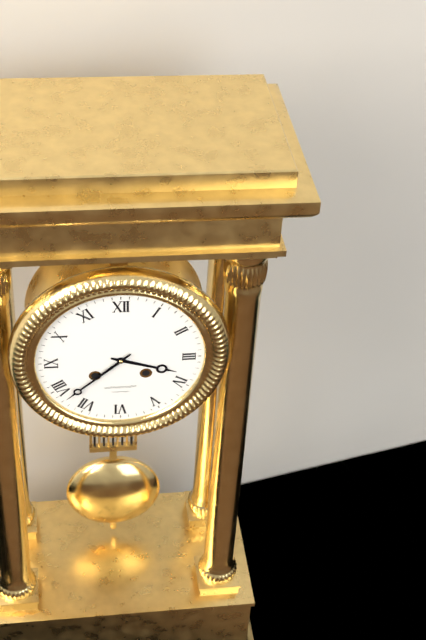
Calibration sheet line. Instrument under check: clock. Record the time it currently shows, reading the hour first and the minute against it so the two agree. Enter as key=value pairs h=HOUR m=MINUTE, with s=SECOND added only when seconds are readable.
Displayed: h=3 m=38
